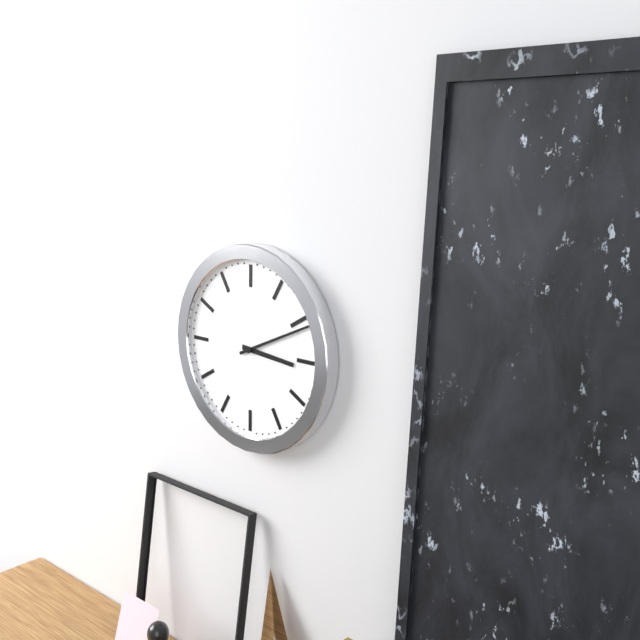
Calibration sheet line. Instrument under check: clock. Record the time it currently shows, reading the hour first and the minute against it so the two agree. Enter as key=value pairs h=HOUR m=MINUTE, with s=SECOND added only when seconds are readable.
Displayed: h=3 m=11
